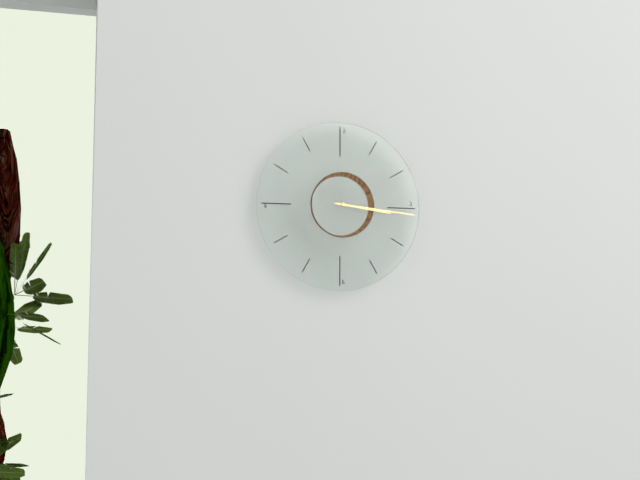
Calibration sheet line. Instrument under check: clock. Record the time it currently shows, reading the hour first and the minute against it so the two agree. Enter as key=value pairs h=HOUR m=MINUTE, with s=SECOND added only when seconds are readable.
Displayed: h=3 m=16
